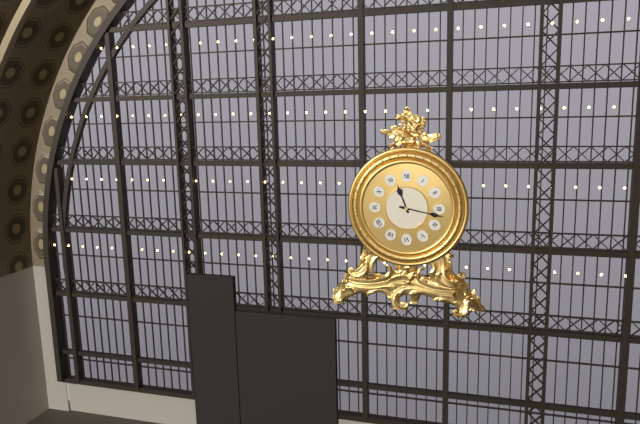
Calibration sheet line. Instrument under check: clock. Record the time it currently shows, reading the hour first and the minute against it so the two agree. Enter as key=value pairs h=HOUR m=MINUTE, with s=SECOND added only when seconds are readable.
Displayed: h=11 m=17
